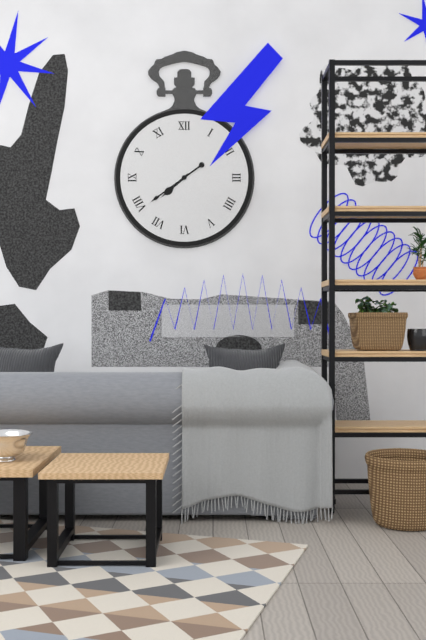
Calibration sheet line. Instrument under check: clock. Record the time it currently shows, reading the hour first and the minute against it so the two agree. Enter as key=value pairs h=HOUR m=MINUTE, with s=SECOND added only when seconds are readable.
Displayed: h=7 m=39
